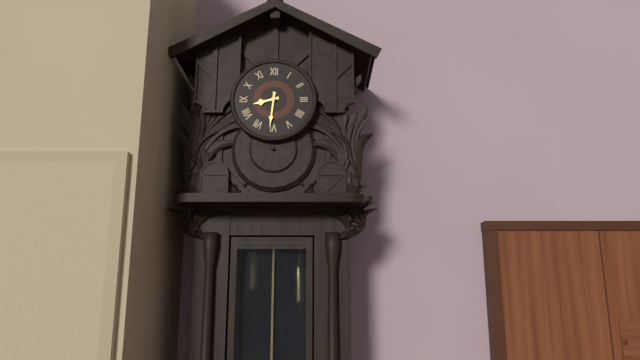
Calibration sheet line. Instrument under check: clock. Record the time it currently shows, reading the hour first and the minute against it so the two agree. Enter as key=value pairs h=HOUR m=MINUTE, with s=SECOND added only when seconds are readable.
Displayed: h=8 m=31
